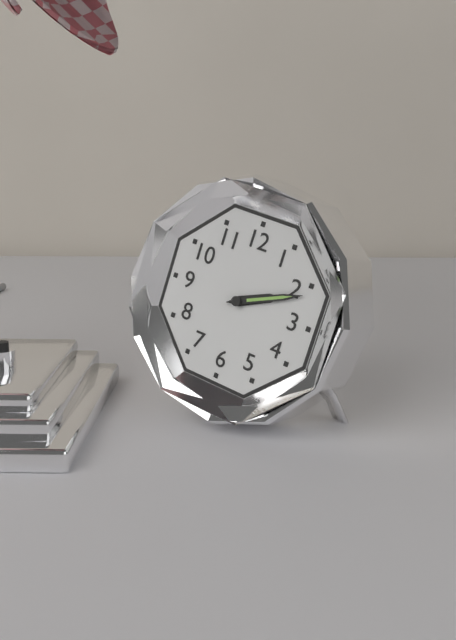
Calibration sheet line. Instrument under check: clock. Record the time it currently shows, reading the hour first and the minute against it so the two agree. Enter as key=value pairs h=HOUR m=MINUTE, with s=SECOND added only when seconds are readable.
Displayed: h=2 m=11
